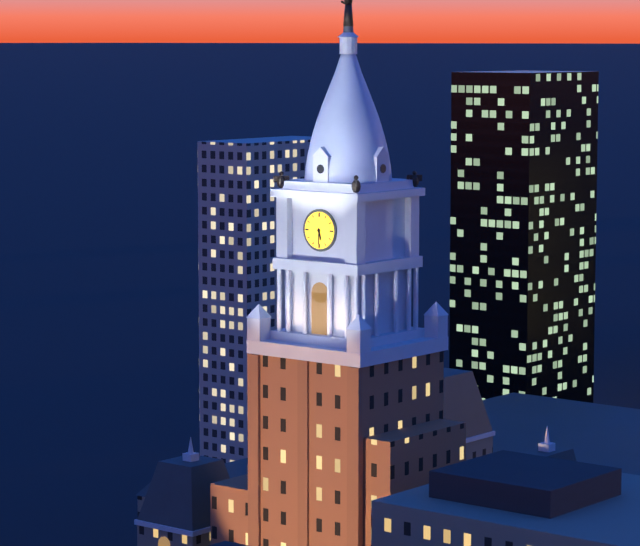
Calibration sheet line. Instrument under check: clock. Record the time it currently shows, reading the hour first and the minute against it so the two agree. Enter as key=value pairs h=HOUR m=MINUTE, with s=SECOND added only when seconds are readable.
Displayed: h=5 m=30
